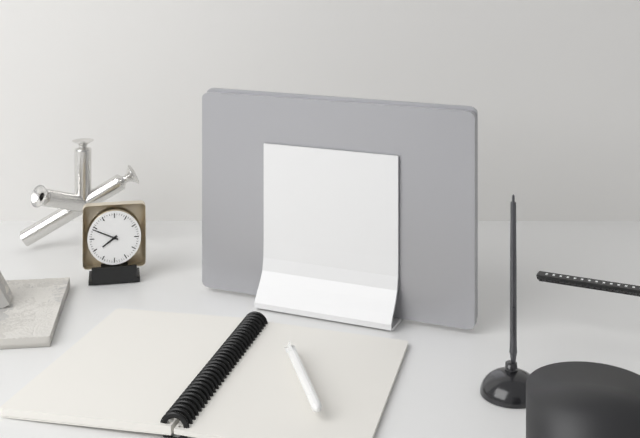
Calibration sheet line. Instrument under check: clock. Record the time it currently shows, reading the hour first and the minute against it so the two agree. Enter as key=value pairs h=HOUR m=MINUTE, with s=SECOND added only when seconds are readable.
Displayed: h=7 m=49
